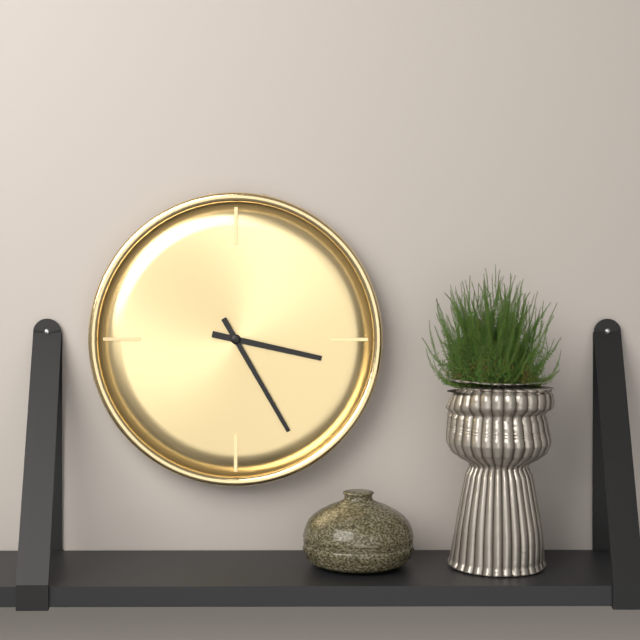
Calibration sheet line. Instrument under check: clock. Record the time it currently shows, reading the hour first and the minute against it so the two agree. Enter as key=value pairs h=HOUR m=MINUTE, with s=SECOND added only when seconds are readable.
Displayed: h=3 m=25
